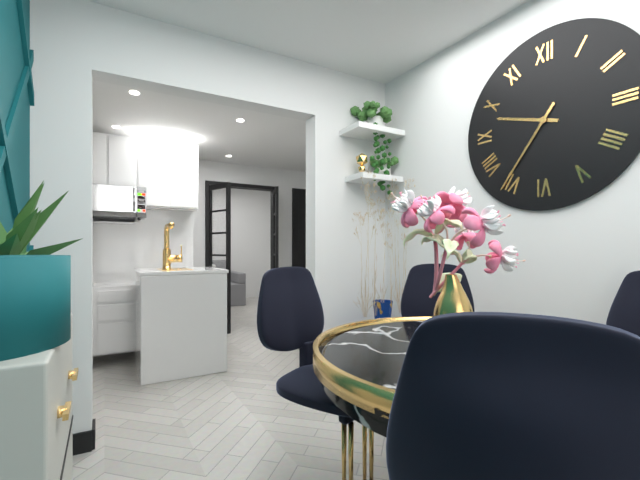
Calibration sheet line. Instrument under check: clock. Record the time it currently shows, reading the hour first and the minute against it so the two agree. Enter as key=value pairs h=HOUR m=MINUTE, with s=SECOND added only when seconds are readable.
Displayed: h=9 m=36
